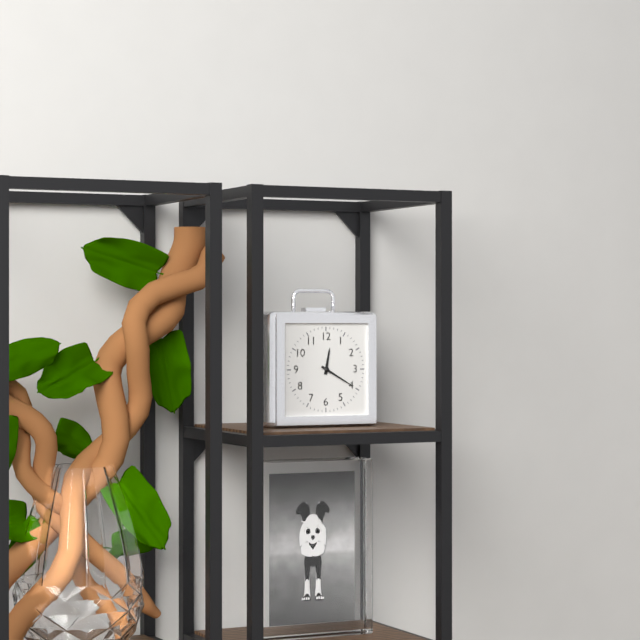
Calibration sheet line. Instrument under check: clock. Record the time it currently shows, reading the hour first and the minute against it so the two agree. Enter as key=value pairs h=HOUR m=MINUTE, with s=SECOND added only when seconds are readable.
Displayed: h=12 m=20
